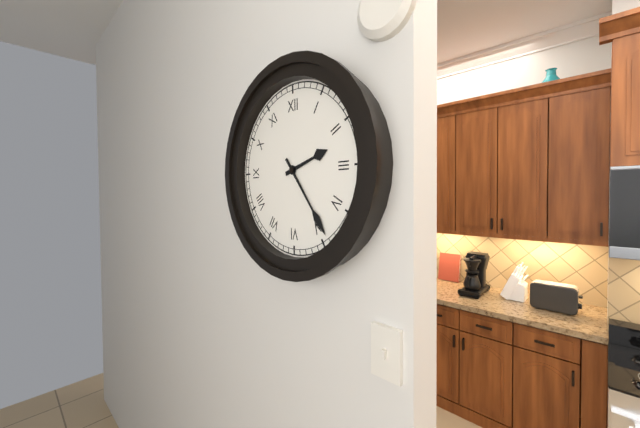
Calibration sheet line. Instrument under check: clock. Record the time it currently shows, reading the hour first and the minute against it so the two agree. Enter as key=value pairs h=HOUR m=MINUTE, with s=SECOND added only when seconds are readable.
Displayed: h=2 m=24
